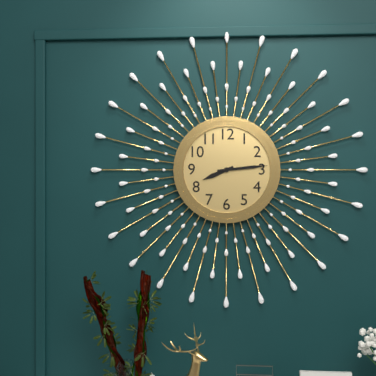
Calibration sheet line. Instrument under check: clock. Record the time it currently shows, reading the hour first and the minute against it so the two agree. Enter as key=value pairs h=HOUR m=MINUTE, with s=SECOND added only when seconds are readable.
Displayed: h=8 m=14
